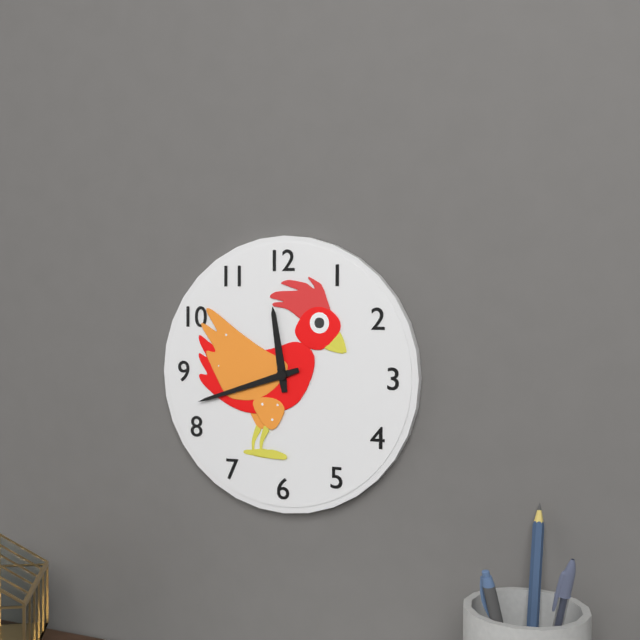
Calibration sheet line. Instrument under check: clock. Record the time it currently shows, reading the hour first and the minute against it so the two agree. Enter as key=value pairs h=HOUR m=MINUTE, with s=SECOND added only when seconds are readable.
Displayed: h=11 m=42
